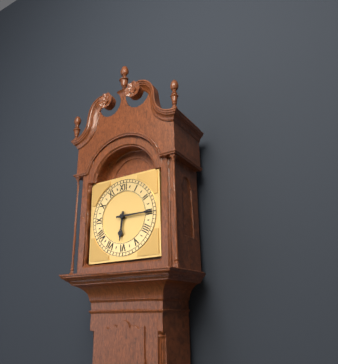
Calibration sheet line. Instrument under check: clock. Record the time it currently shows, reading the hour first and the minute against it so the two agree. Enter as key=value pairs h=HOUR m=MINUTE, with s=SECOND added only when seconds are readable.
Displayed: h=6 m=15
